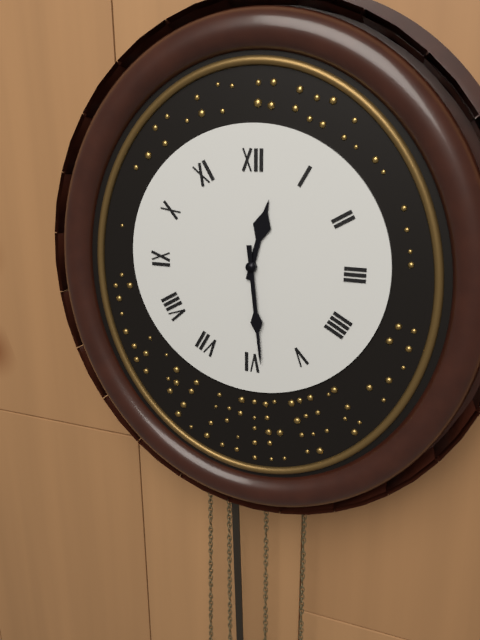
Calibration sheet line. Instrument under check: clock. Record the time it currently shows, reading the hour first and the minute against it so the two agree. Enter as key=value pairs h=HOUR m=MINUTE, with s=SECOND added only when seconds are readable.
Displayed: h=12 m=29
